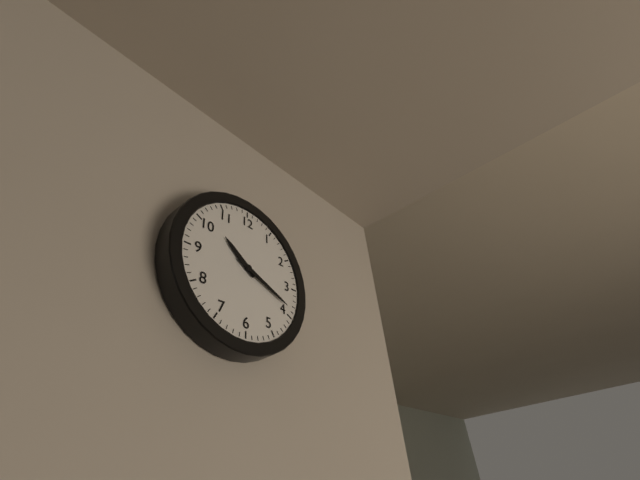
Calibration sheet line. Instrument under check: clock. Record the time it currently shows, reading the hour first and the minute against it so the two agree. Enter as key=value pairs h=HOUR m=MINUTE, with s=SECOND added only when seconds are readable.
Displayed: h=10 m=19
